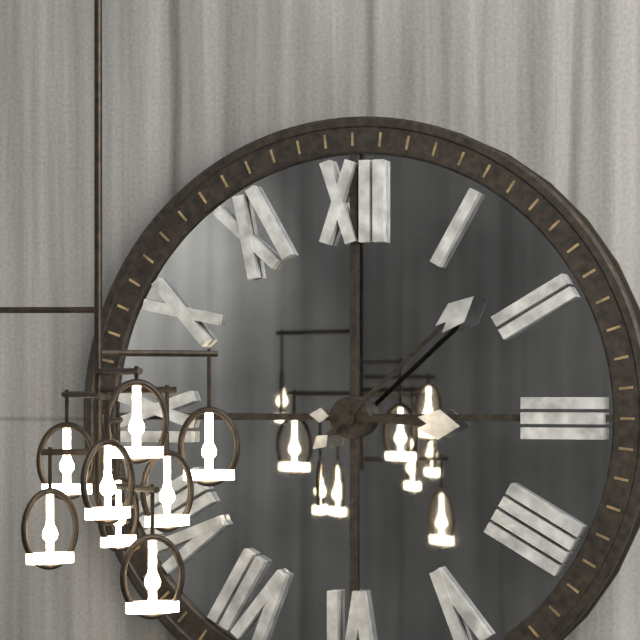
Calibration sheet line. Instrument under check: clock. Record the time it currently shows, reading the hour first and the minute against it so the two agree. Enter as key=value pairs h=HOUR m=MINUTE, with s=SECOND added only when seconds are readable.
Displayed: h=3 m=8
